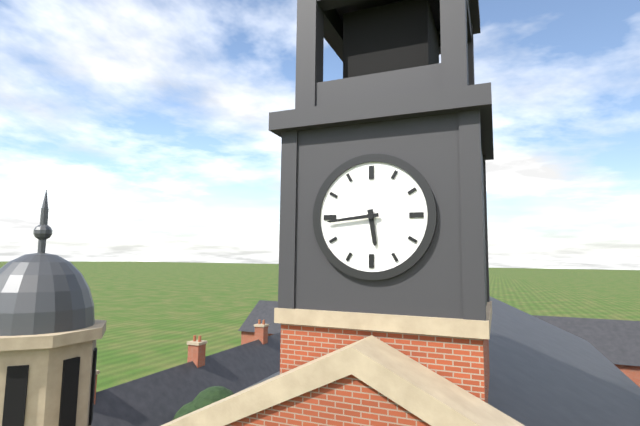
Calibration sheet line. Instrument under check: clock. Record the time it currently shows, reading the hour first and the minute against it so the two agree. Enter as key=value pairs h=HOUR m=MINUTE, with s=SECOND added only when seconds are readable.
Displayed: h=5 m=44
